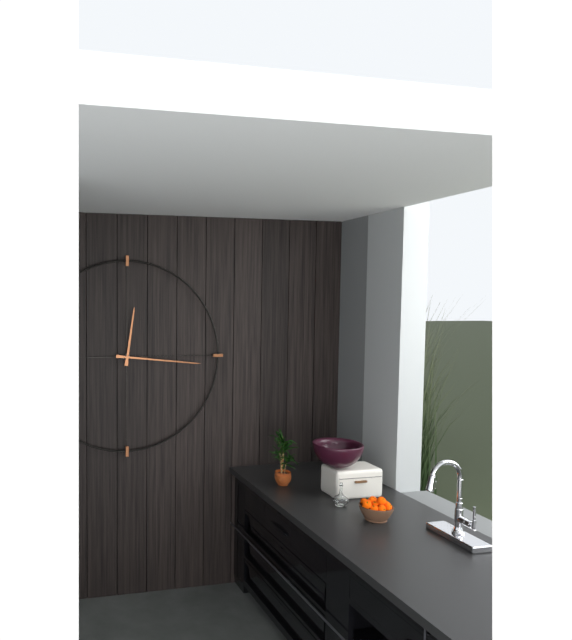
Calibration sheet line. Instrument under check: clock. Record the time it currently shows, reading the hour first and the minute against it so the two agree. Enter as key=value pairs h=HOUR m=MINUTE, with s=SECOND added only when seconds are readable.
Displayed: h=12 m=16
